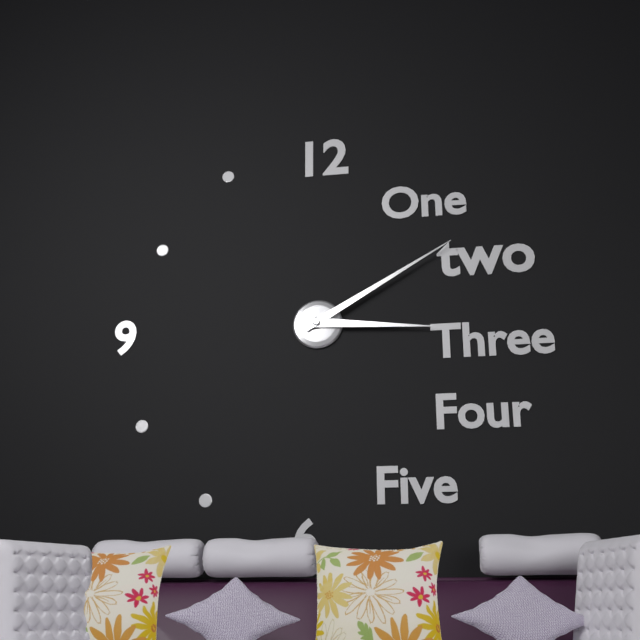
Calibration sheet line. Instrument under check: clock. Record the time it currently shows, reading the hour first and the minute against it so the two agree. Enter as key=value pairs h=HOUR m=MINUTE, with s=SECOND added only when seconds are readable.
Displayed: h=3 m=10
